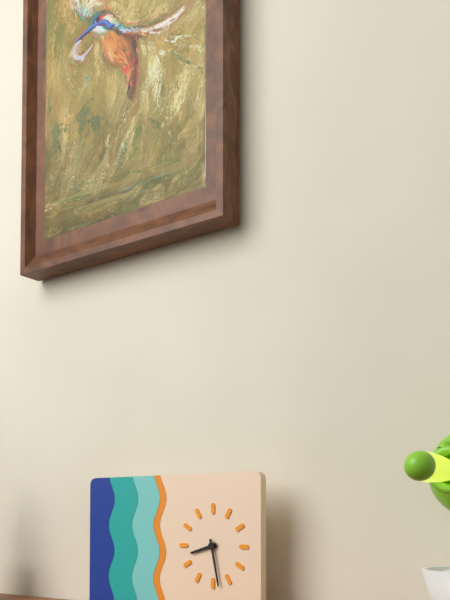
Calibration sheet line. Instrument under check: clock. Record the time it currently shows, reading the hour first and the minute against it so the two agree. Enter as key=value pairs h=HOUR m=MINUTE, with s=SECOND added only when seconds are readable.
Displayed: h=8 m=28
